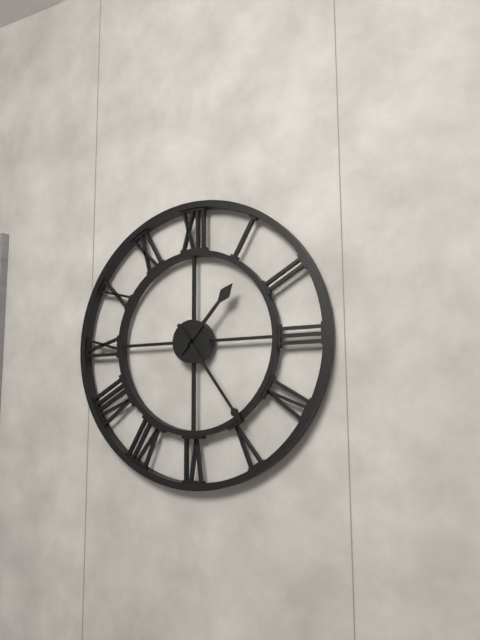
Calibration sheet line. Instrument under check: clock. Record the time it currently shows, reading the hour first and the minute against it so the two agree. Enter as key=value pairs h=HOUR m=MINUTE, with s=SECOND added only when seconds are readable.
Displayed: h=1 m=24
